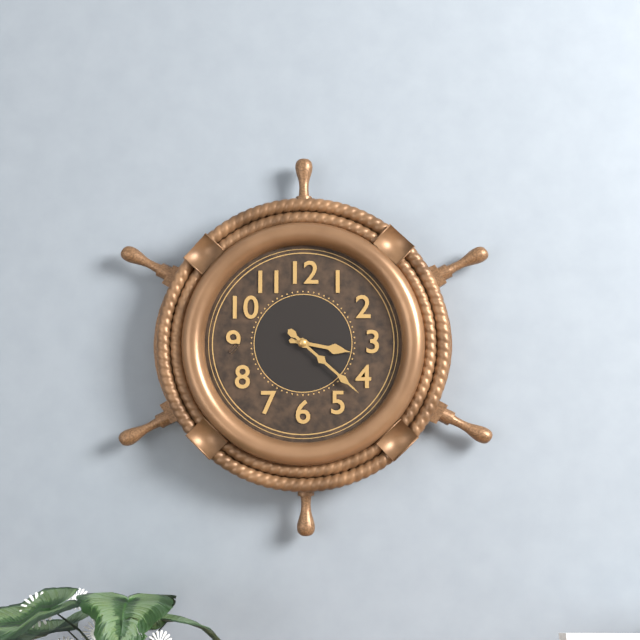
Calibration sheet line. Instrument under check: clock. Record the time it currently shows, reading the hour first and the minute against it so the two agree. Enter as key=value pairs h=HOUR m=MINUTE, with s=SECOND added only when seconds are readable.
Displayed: h=3 m=22
